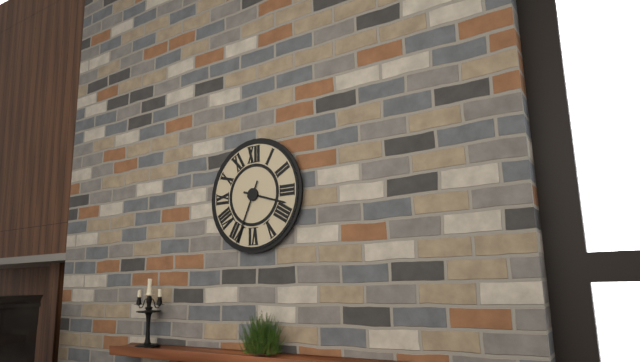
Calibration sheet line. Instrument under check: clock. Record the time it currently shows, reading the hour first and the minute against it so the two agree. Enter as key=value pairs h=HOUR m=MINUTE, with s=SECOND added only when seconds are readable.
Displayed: h=3 m=34
